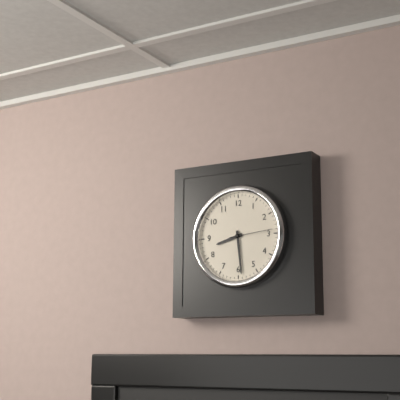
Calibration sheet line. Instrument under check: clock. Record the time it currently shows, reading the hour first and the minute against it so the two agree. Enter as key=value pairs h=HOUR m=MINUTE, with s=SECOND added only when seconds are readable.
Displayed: h=8 m=29
